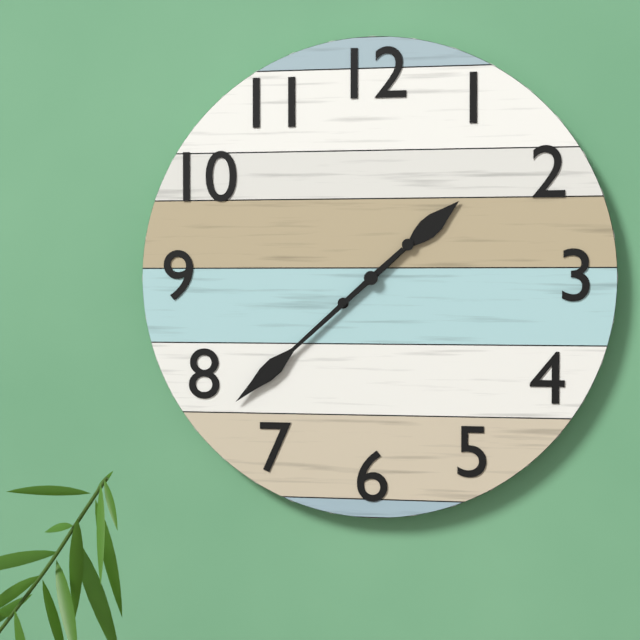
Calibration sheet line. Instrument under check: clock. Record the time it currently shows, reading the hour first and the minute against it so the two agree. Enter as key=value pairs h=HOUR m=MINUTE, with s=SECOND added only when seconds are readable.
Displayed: h=1 m=38
